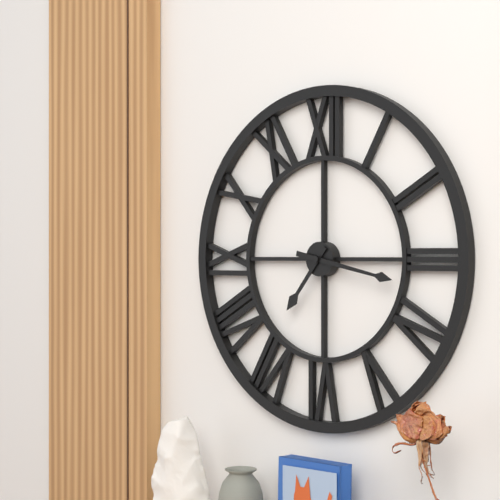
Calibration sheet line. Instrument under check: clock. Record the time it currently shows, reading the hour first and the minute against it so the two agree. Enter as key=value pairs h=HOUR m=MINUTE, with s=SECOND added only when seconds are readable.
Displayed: h=7 m=17
